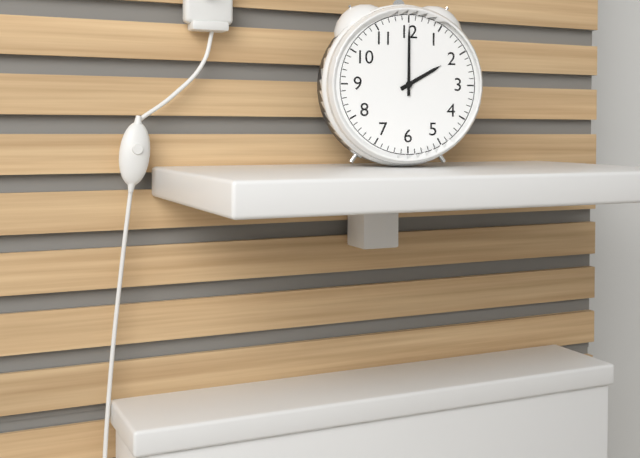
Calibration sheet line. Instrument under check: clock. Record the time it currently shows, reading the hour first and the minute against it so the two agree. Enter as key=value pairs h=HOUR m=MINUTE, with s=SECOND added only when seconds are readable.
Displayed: h=2 m=0
